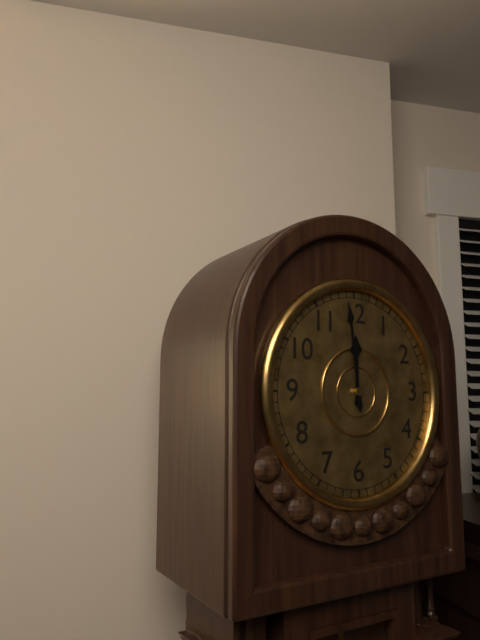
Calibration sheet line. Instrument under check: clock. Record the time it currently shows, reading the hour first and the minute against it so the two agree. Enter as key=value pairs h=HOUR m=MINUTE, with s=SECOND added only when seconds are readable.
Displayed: h=11 m=59
